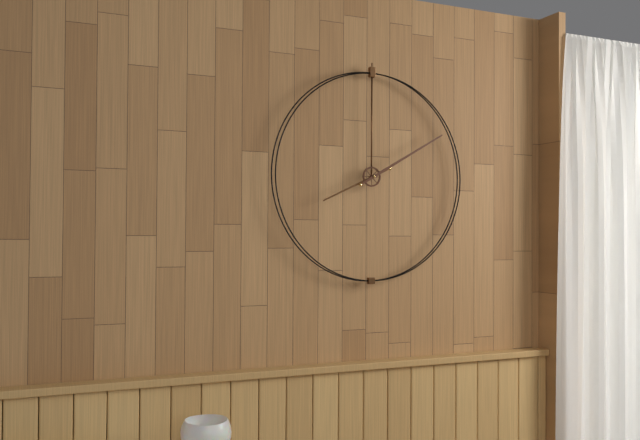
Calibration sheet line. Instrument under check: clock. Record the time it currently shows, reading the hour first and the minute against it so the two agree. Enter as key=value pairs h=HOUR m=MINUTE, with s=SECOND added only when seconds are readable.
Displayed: h=8 m=10
